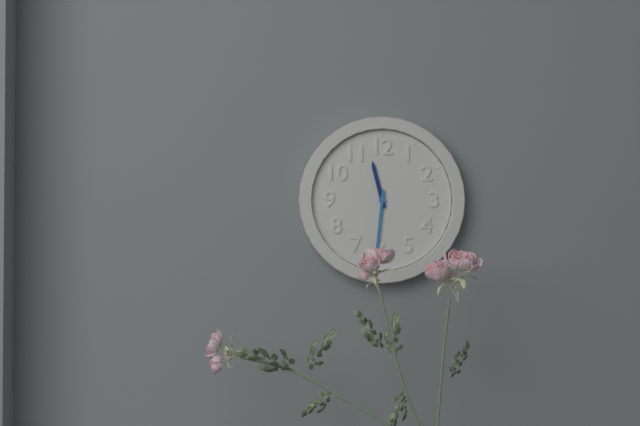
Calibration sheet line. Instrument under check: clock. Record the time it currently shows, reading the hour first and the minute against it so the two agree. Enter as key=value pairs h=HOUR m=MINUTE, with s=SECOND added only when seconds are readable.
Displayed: h=11 m=31
